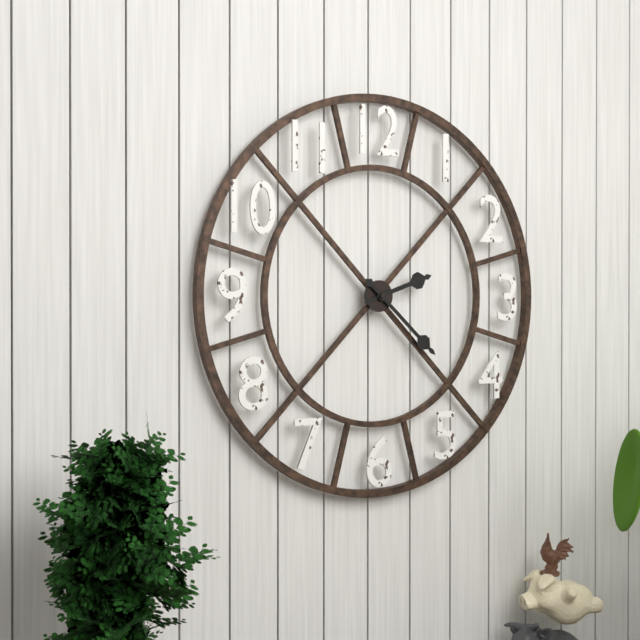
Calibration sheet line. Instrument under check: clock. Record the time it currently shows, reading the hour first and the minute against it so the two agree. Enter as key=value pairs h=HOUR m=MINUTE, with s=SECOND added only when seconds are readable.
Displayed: h=2 m=22
